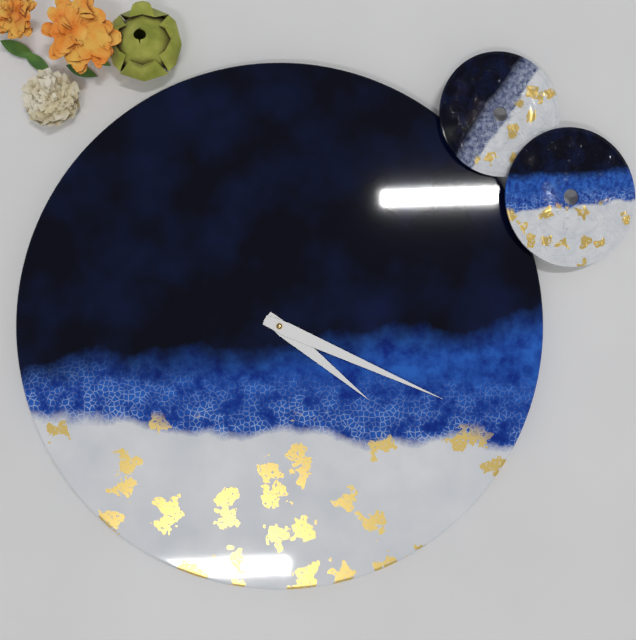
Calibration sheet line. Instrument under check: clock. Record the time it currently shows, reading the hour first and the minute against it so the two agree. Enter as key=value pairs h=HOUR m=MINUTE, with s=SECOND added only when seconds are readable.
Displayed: h=4 m=19
